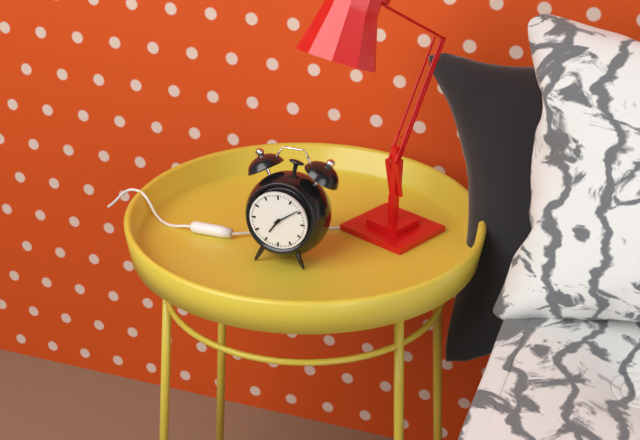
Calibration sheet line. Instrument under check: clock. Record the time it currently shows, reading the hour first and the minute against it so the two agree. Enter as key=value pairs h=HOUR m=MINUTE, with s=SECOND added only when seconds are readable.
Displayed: h=7 m=9
